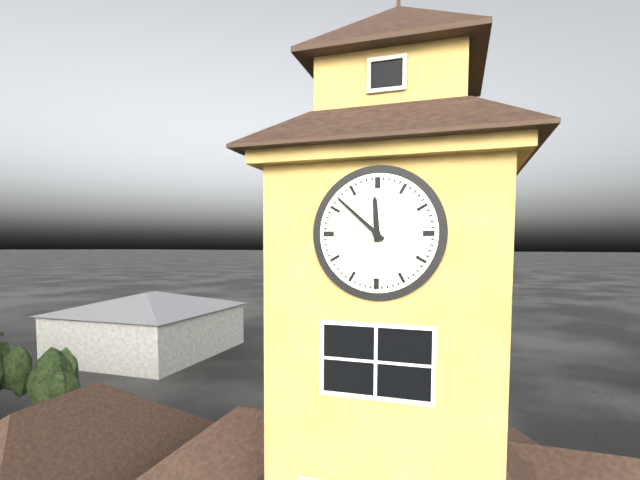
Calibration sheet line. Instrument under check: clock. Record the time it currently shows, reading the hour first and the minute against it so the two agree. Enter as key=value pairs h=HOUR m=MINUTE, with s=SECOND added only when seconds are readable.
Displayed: h=11 m=52
